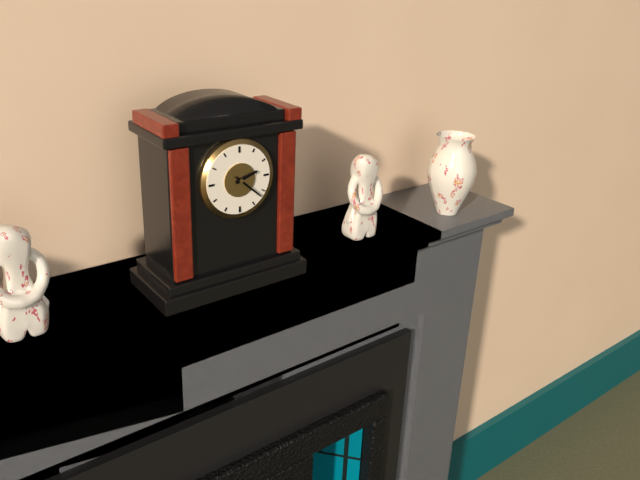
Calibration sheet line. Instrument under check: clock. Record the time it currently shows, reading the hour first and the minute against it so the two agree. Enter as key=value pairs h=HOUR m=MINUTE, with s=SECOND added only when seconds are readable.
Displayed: h=2 m=22
